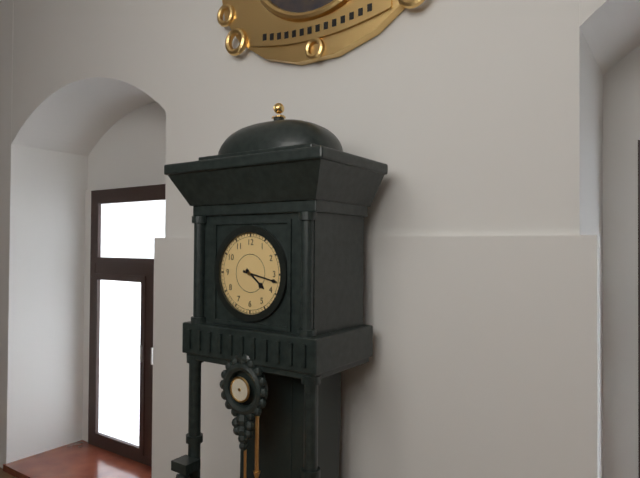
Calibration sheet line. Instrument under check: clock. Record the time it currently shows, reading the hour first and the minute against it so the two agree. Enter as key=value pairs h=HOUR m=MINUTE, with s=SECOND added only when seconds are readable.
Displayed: h=4 m=17
